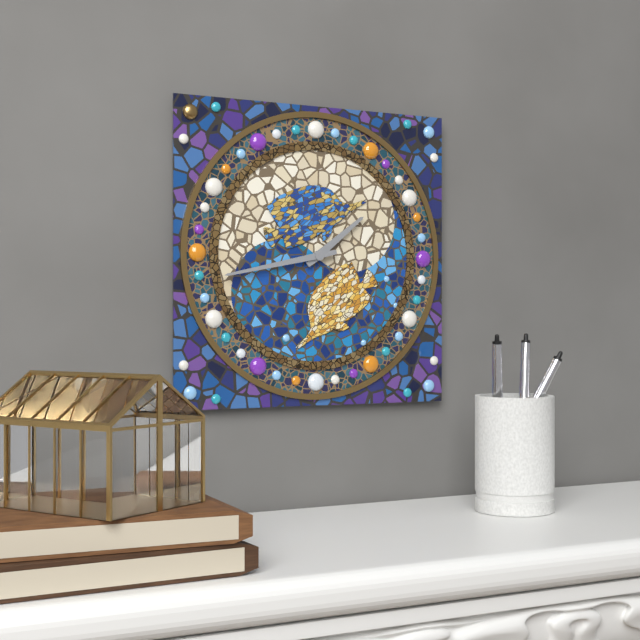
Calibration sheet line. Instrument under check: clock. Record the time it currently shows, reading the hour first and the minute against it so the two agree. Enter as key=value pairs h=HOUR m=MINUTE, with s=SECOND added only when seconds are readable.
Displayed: h=1 m=43
